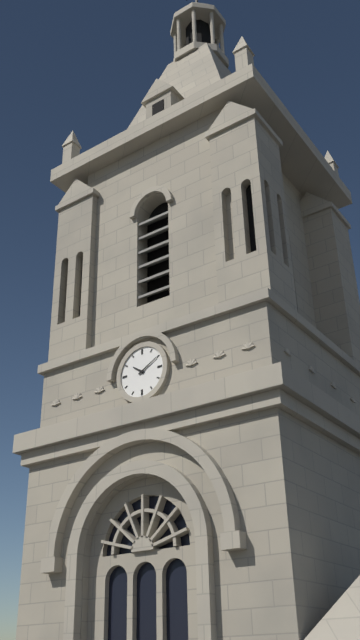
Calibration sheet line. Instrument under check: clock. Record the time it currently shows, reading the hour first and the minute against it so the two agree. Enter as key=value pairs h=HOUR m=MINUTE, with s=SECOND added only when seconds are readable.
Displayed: h=10 m=10
